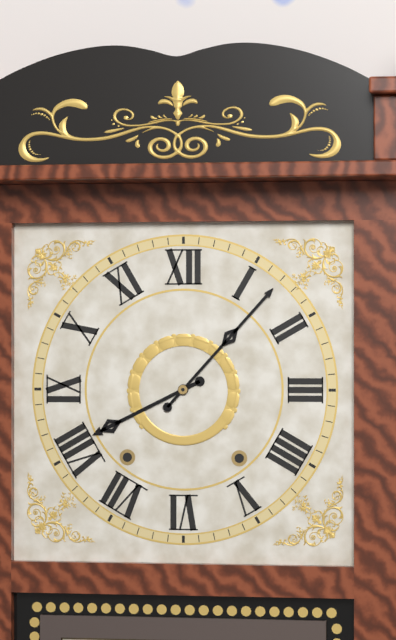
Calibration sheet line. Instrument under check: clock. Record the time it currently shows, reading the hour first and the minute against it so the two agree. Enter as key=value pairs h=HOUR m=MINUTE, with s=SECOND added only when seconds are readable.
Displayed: h=8 m=7
